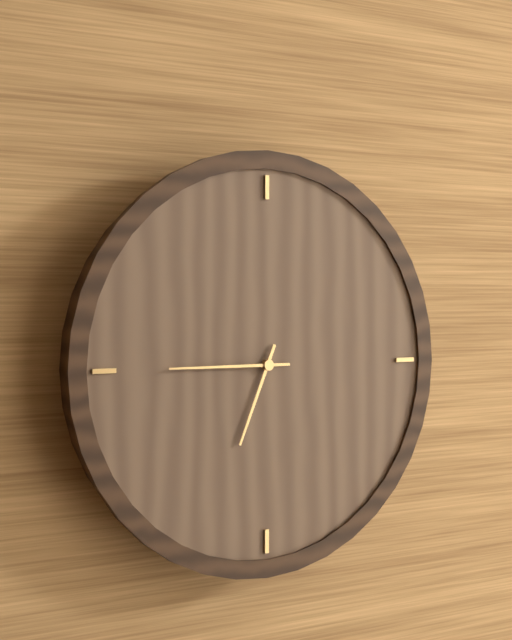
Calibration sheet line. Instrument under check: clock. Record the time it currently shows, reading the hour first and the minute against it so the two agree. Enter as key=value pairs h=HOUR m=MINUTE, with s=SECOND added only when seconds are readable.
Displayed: h=6 m=45
